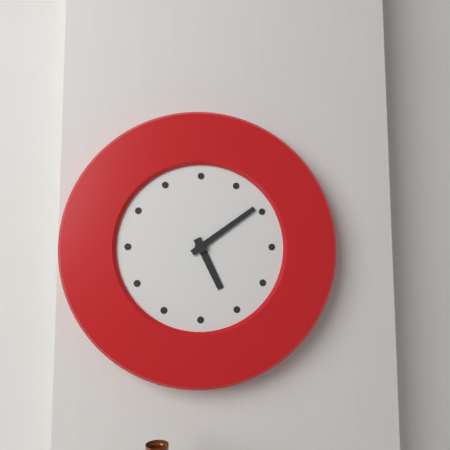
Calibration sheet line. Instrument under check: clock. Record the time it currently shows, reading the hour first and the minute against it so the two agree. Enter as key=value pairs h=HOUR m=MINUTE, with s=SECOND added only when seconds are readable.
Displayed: h=5 m=9
